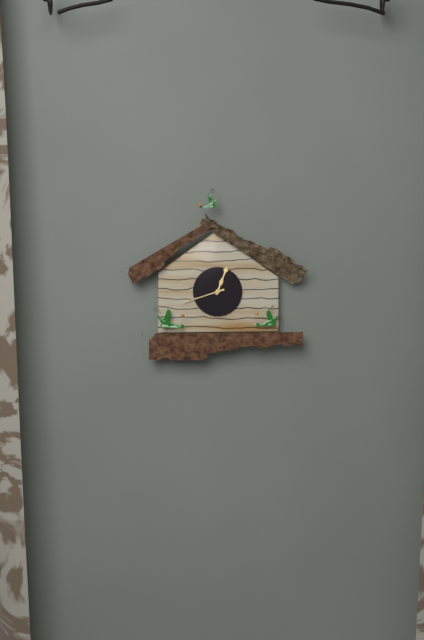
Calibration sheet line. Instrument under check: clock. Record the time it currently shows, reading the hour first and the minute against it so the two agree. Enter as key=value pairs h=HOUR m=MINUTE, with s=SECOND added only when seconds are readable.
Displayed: h=12 m=42
